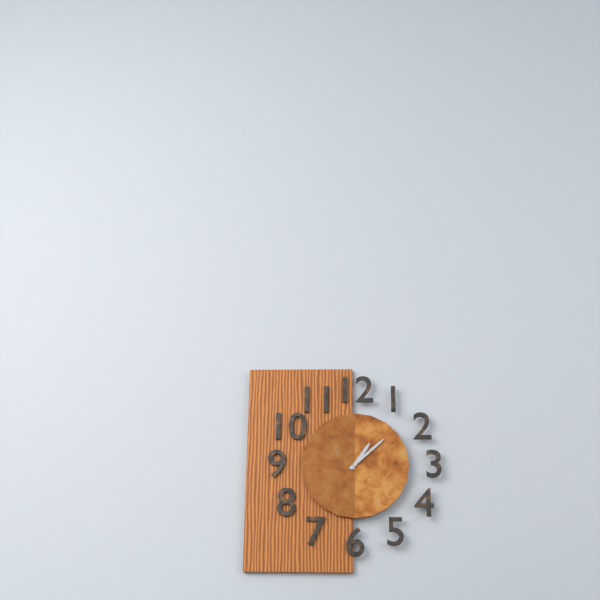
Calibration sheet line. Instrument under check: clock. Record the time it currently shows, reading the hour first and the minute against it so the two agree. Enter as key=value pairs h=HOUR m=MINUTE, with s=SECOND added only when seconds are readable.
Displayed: h=1 m=8
